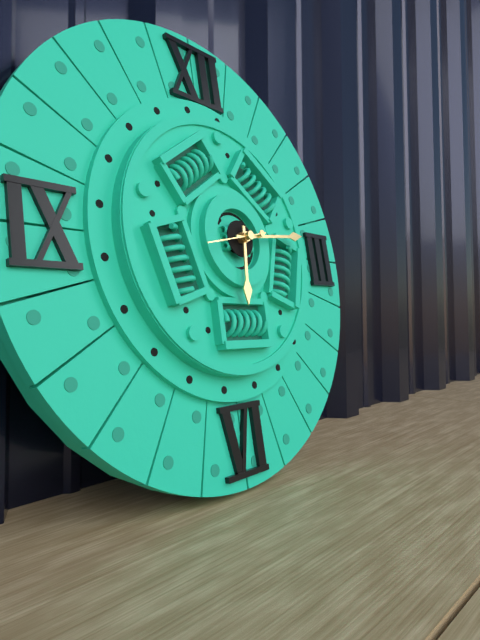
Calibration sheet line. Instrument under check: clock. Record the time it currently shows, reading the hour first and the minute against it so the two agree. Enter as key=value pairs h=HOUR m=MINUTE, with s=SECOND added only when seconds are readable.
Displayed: h=6 m=14
